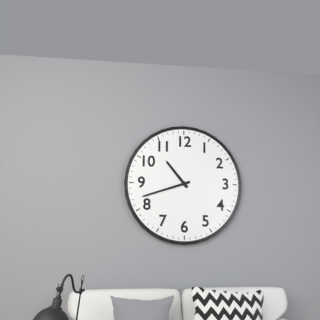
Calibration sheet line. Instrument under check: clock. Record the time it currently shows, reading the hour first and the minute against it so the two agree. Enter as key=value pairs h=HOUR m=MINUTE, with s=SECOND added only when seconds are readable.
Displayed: h=10 m=42
